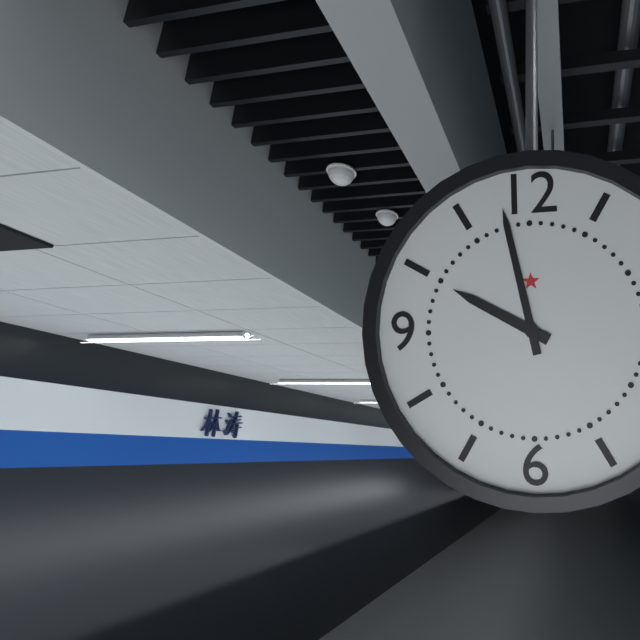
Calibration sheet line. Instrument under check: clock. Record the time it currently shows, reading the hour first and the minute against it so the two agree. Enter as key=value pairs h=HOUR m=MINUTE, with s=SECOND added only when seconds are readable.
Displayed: h=9 m=58
